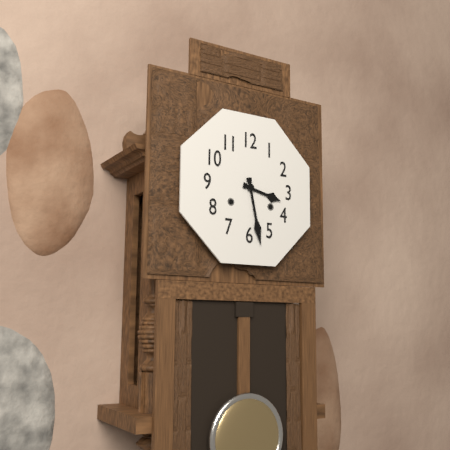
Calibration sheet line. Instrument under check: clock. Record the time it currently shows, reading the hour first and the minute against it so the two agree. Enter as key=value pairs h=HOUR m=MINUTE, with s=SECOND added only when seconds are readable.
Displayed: h=3 m=28
